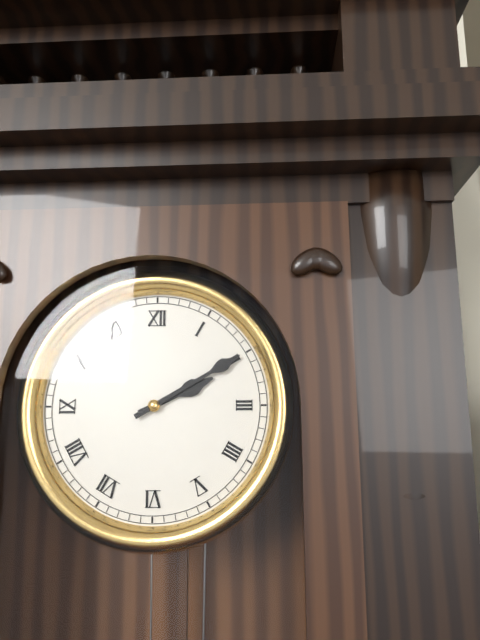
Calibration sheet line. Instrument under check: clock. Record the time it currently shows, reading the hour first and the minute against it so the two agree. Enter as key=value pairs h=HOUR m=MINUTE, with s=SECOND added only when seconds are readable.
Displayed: h=2 m=10
